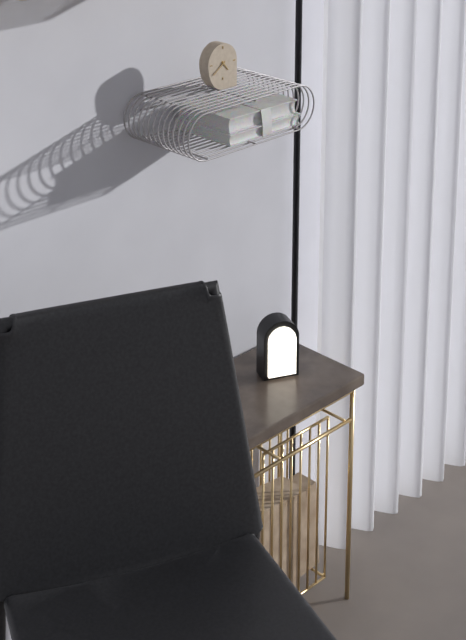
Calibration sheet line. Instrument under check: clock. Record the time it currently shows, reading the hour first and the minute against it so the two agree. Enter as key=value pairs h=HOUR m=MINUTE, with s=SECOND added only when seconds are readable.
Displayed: h=4 m=39
